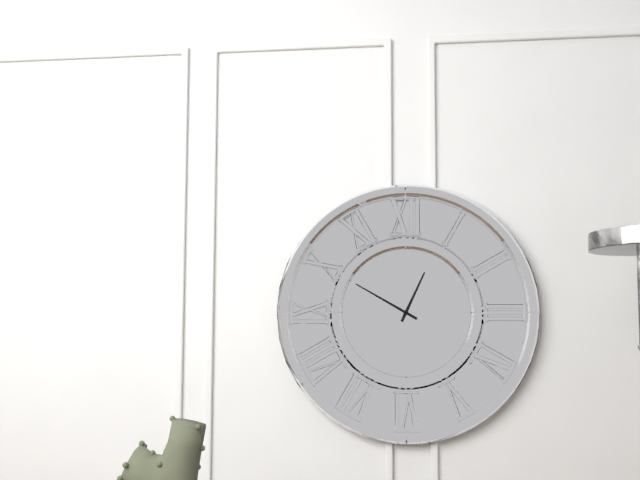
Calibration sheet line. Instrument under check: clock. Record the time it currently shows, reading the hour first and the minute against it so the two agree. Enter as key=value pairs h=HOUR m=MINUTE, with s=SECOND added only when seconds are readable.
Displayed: h=12 m=50
